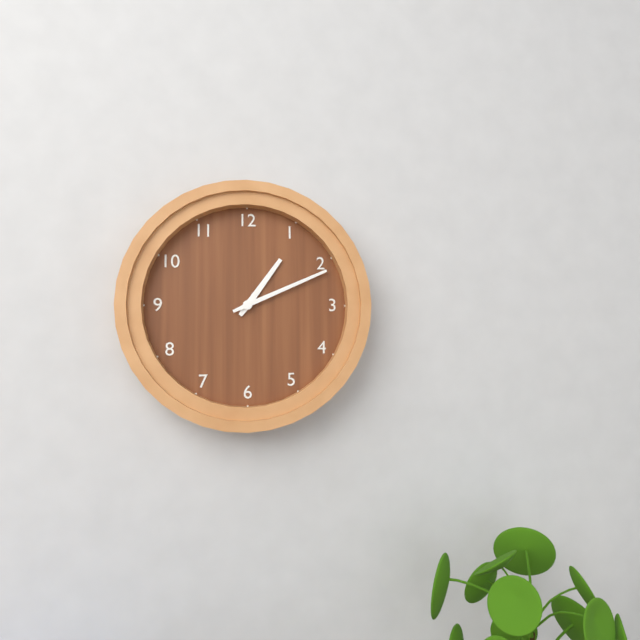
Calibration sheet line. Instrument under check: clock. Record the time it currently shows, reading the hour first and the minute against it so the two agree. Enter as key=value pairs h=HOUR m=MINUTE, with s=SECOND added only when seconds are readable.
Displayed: h=1 m=11
